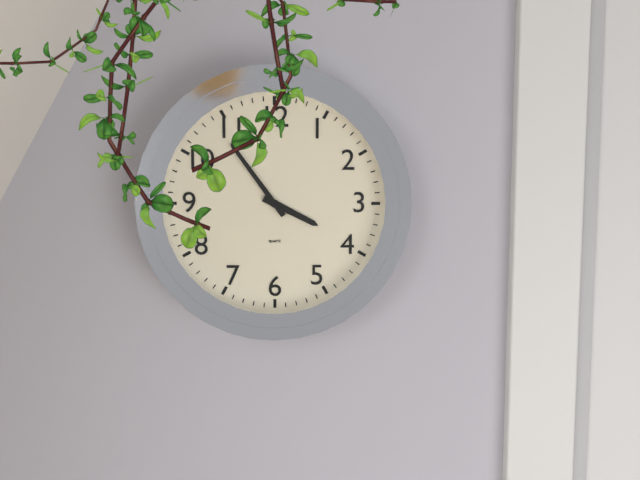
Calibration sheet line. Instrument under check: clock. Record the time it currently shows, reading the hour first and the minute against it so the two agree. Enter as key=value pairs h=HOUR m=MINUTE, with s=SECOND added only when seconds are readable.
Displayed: h=3 m=54
